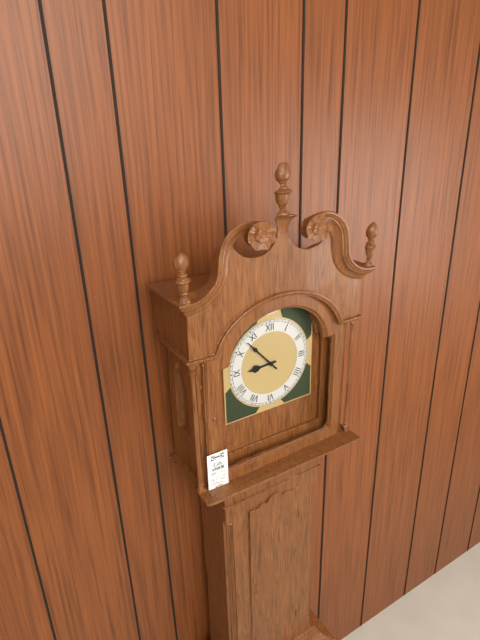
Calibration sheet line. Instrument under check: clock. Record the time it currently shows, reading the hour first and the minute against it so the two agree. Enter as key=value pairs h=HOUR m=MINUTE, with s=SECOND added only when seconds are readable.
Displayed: h=8 m=53
